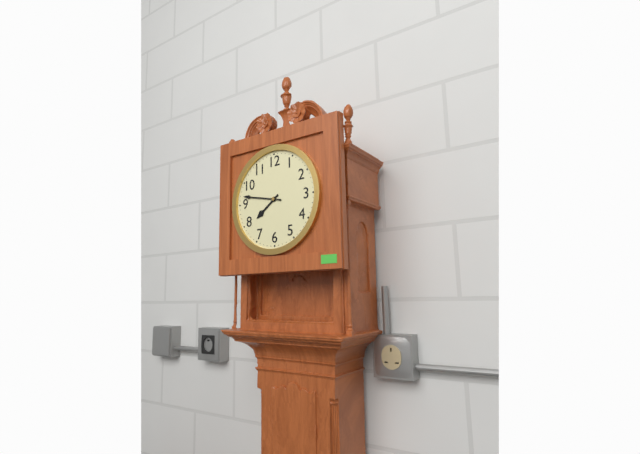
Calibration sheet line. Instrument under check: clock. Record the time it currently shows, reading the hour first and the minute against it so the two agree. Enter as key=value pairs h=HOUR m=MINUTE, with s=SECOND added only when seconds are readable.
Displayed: h=7 m=47
